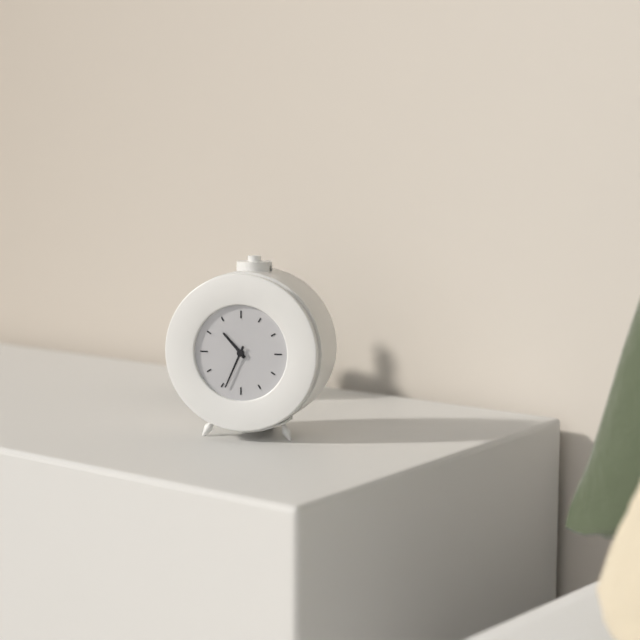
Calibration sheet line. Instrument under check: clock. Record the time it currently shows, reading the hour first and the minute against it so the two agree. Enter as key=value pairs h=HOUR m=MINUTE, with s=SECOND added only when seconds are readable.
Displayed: h=10 m=34
